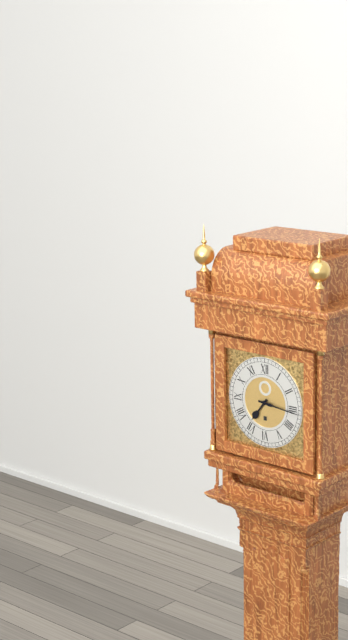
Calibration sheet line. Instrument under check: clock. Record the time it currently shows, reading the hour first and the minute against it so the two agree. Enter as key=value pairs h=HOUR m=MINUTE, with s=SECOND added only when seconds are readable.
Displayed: h=7 m=16
